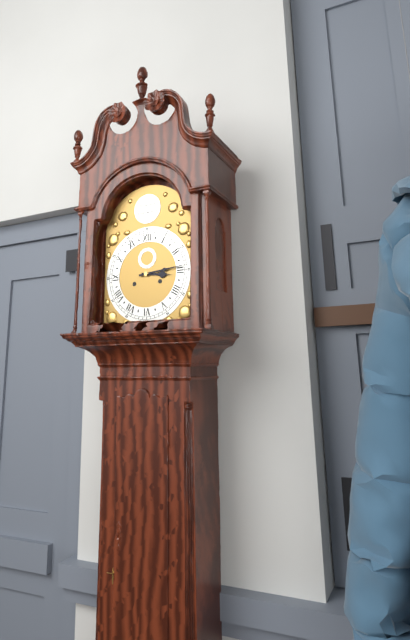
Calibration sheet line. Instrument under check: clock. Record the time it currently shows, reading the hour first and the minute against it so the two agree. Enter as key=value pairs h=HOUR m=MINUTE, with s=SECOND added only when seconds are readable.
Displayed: h=3 m=14
